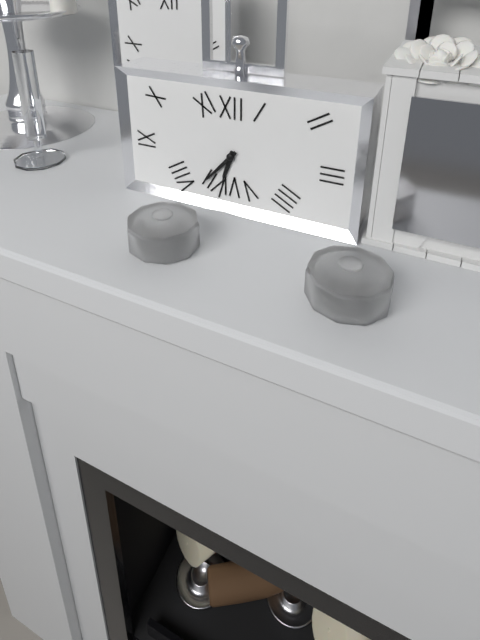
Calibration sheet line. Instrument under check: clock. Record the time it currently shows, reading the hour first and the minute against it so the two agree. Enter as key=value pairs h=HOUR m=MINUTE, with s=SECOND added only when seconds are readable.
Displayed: h=6 m=37
